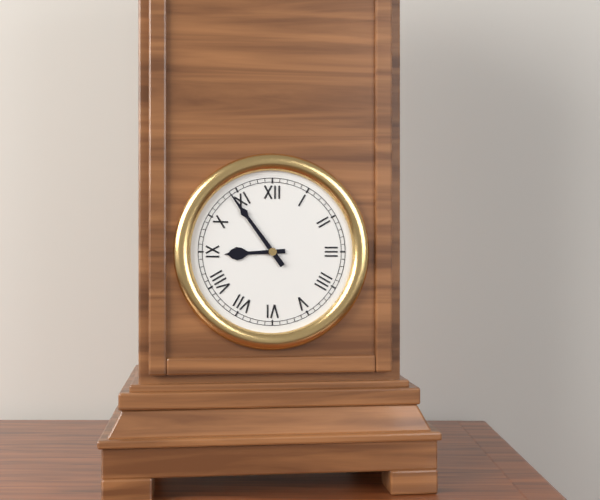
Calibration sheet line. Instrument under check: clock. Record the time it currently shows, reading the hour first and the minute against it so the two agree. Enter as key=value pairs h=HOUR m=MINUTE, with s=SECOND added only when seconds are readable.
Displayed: h=8 m=54
